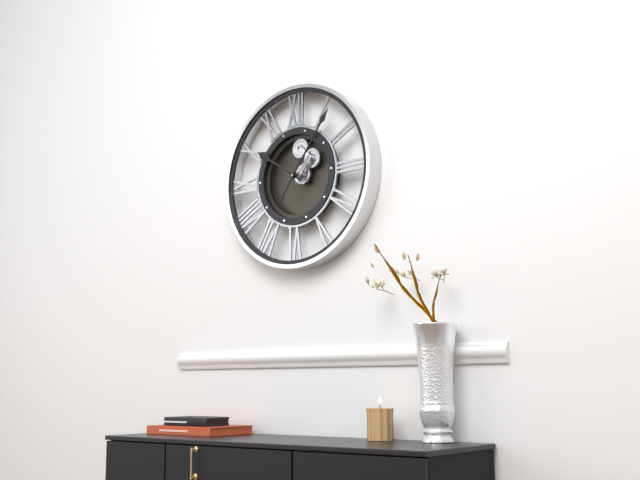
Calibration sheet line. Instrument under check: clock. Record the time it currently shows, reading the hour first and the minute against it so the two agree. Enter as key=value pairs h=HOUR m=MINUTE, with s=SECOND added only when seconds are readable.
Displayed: h=10 m=6
